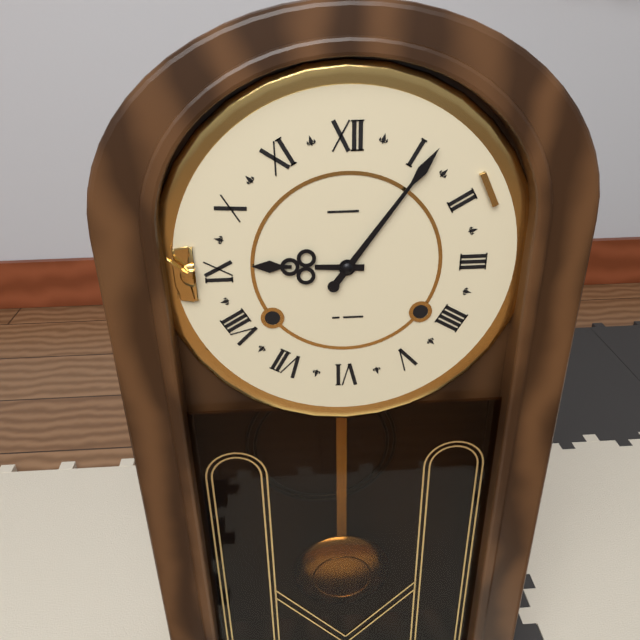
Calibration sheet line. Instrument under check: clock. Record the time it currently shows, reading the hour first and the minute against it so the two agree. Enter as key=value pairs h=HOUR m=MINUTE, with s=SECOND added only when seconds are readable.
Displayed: h=9 m=6
